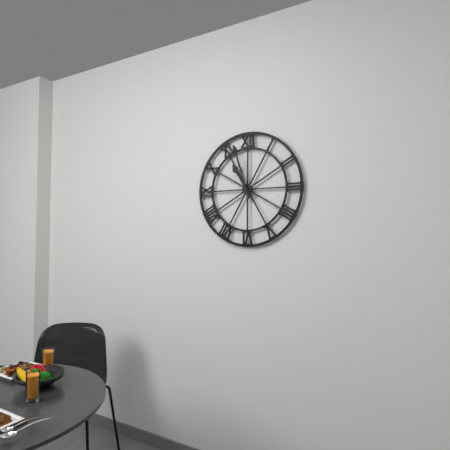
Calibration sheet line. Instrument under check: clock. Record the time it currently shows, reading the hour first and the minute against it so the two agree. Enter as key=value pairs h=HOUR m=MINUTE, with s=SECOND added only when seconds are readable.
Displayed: h=10 m=57
